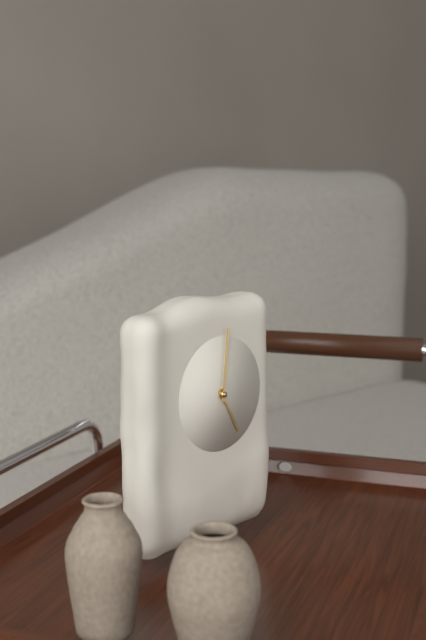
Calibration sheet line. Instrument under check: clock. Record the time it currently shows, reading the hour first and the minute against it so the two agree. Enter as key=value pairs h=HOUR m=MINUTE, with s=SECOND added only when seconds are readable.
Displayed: h=5 m=1
